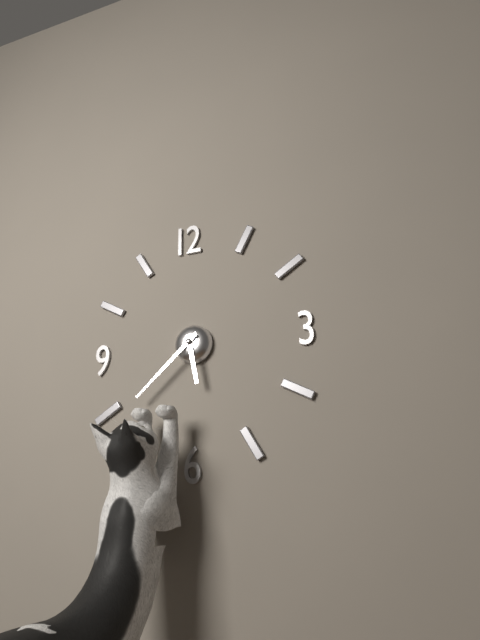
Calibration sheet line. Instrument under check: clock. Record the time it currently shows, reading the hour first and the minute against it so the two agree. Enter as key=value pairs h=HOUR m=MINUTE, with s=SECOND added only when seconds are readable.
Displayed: h=5 m=38
